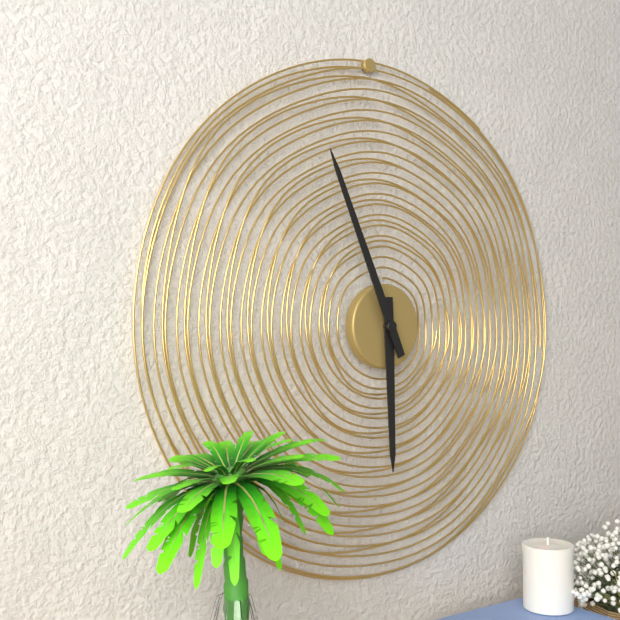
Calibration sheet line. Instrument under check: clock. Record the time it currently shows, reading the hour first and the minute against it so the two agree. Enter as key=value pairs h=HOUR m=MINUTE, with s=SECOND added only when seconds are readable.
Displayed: h=5 m=56
